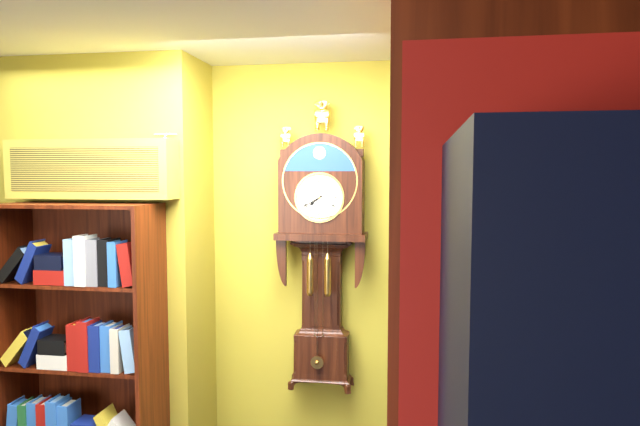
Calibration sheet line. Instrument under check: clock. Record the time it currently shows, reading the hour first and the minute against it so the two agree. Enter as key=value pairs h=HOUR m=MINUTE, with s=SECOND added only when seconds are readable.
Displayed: h=7 m=40
